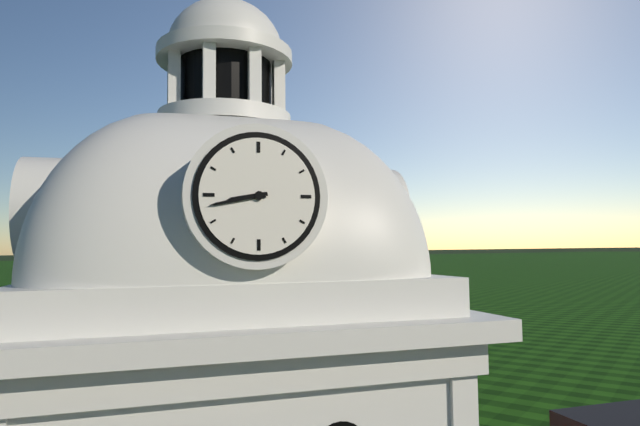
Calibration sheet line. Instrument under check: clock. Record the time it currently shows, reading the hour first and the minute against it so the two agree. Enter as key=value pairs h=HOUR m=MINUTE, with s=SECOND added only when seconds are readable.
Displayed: h=8 m=43
